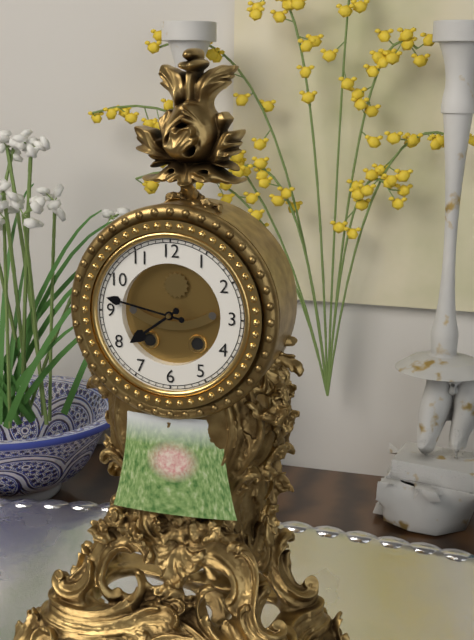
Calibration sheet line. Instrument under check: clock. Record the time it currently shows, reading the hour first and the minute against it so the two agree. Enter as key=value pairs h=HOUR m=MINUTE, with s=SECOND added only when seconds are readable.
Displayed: h=7 m=47
